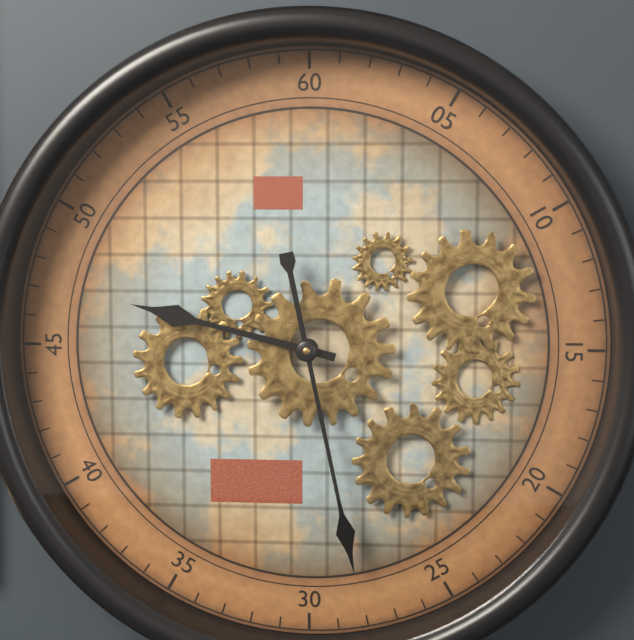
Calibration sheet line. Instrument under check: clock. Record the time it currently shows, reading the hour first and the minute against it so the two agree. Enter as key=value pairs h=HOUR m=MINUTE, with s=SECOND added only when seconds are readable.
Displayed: h=9 m=28
